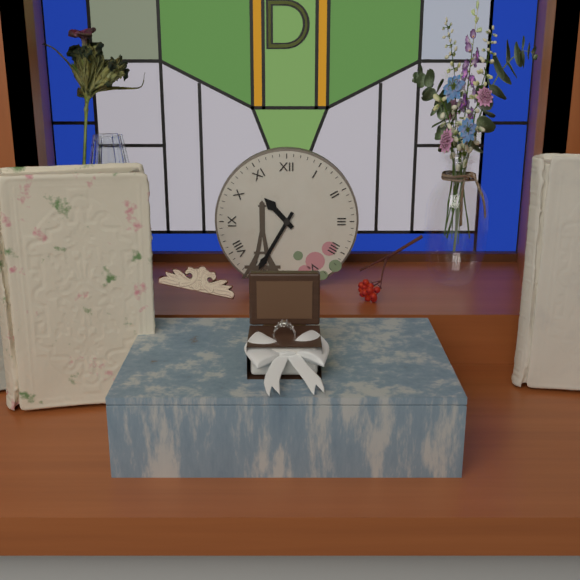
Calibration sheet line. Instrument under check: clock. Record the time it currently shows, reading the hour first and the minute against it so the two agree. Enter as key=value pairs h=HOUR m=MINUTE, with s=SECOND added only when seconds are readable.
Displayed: h=10 m=35
